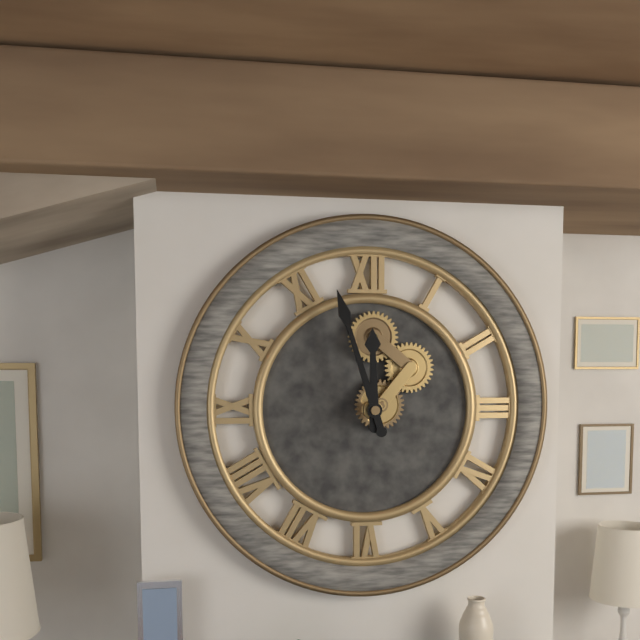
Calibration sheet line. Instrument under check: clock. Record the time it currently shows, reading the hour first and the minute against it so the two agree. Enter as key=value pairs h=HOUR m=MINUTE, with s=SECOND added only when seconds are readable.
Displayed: h=11 m=57
